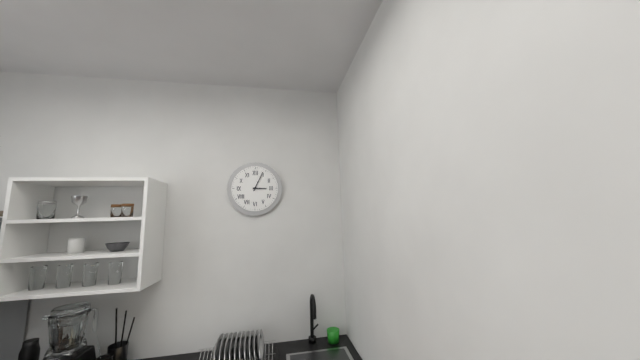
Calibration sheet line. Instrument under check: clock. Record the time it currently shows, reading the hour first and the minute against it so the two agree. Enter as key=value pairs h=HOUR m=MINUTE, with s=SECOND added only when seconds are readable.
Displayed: h=3 m=4
